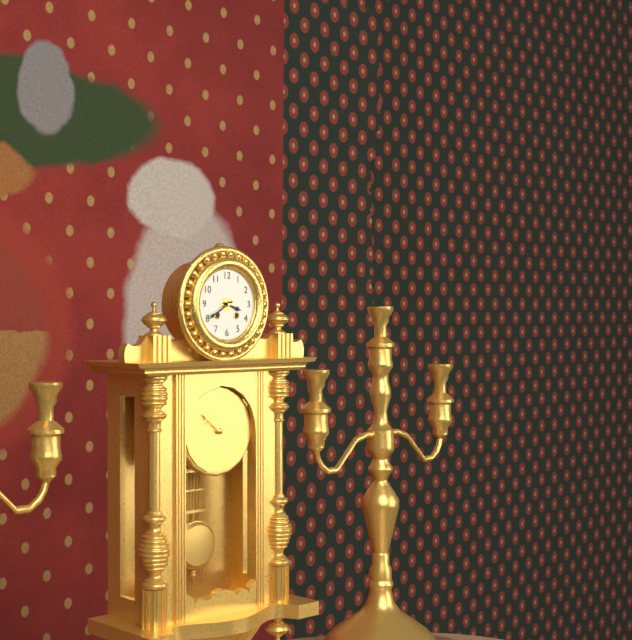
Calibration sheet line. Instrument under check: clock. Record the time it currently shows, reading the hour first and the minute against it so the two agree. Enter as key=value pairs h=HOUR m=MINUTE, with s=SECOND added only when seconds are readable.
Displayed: h=3 m=40
